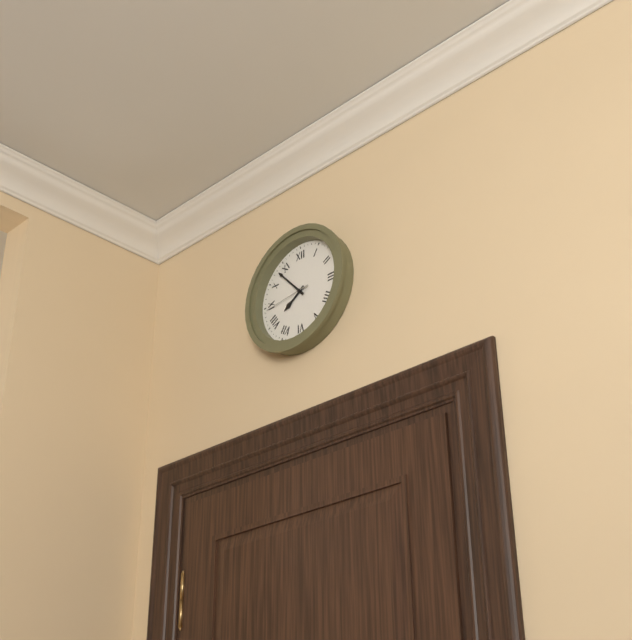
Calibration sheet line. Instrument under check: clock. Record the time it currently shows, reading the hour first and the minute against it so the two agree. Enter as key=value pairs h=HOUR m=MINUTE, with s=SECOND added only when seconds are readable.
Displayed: h=7 m=53
